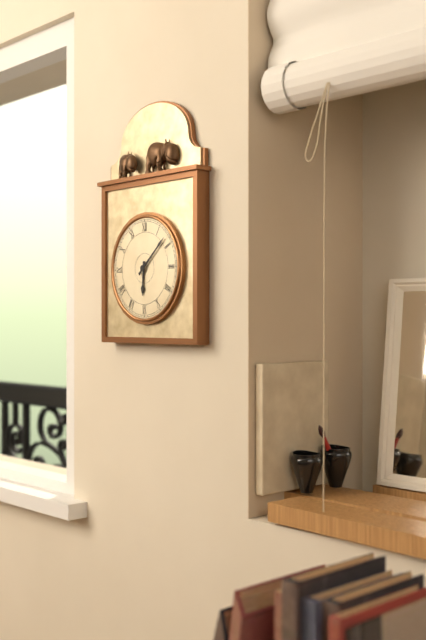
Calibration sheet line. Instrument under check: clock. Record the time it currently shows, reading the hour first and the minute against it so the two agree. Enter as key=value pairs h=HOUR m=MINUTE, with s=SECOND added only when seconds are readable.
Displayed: h=6 m=8
